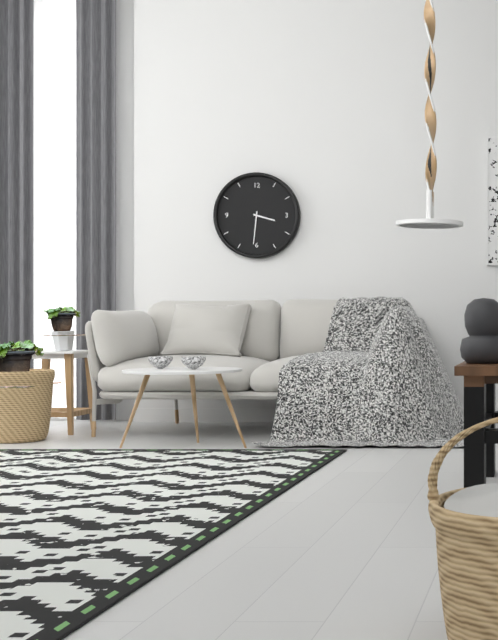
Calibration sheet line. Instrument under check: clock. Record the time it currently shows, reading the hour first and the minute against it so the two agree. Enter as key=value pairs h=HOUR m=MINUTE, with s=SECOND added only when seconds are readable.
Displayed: h=3 m=31
